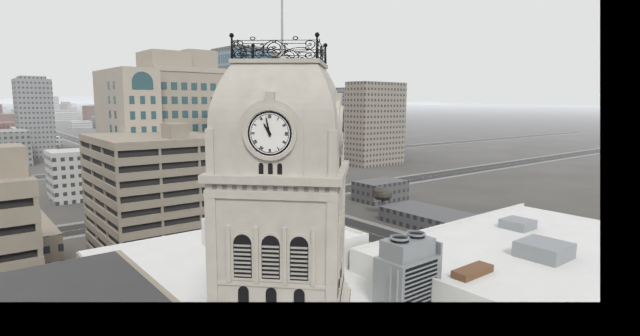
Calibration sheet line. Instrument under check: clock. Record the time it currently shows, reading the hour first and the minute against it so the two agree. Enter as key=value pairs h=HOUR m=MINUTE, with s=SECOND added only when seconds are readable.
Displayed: h=10 m=58
